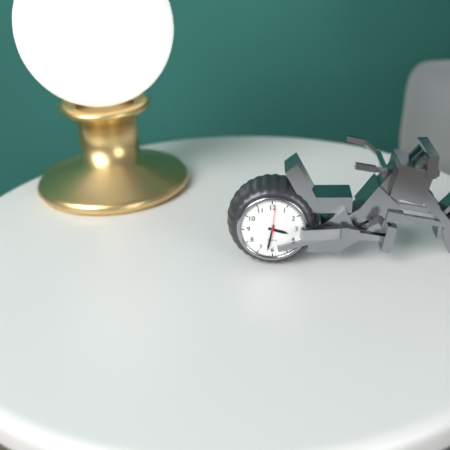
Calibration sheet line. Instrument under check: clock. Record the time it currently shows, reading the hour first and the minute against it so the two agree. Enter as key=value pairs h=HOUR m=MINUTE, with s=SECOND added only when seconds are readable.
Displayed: h=3 m=32
